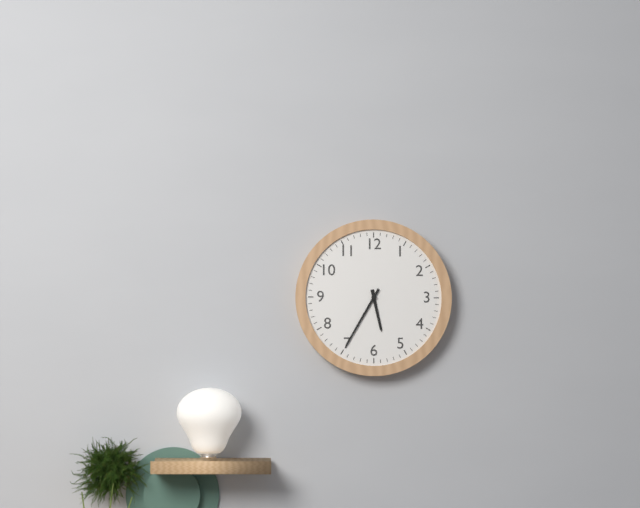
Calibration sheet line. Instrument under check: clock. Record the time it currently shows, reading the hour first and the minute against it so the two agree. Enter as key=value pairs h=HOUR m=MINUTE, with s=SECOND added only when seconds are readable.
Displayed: h=5 m=35
